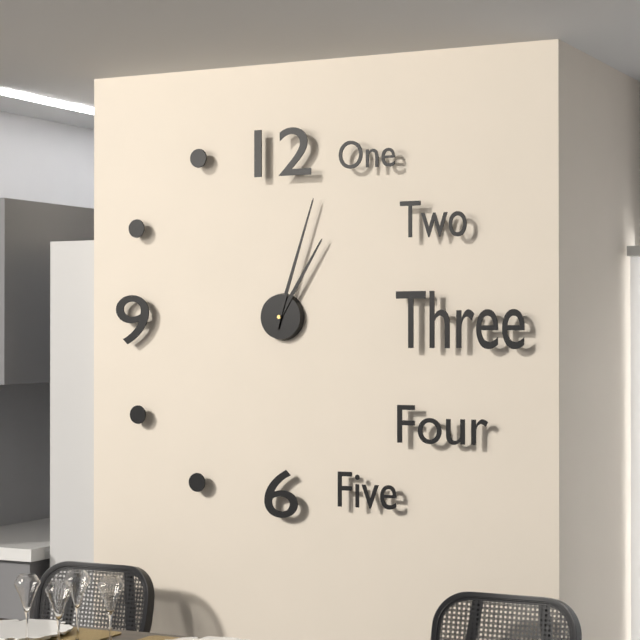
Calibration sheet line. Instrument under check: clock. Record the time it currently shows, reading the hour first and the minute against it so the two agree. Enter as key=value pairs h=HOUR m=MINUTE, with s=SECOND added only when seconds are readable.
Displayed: h=1 m=3
